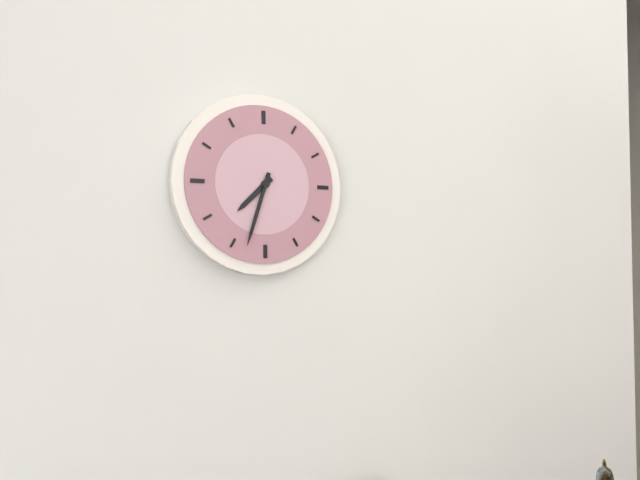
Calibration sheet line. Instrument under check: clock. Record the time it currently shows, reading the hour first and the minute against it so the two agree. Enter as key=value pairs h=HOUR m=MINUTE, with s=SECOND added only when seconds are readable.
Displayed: h=7 m=33
